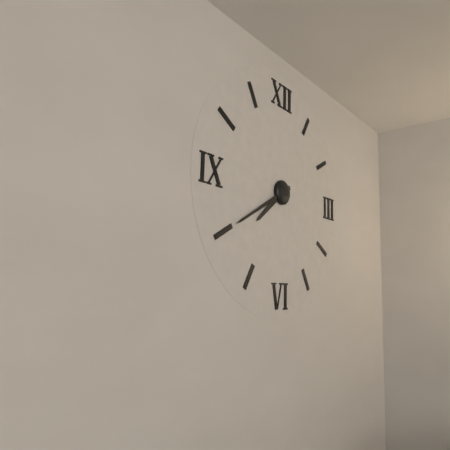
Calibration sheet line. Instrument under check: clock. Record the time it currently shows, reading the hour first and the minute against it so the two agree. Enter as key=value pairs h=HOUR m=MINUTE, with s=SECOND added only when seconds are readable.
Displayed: h=7 m=40
